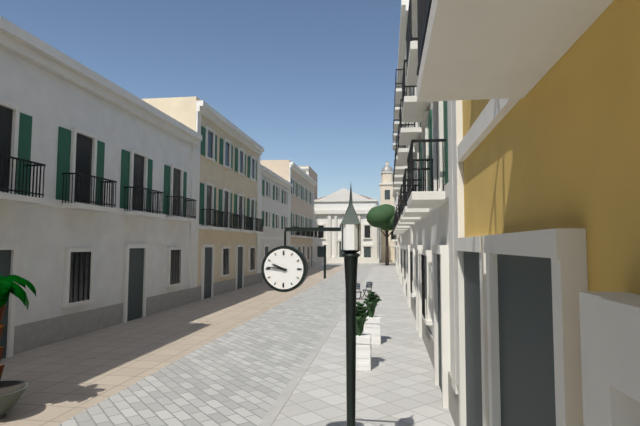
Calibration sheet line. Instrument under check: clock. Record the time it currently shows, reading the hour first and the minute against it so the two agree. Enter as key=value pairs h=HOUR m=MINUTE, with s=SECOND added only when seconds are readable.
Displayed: h=9 m=46
